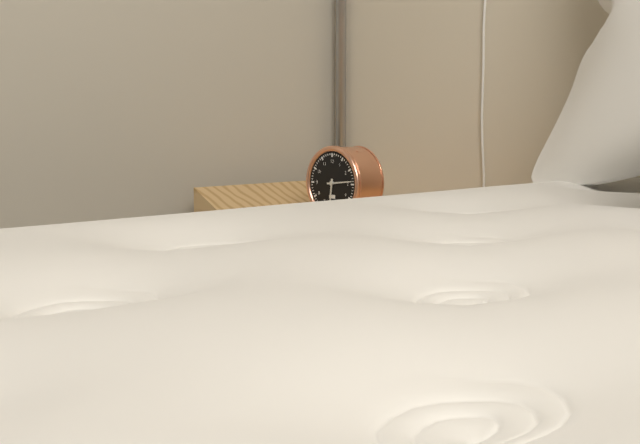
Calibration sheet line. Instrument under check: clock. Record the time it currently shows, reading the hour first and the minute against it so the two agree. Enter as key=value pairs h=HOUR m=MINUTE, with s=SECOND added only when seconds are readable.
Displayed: h=6 m=14
